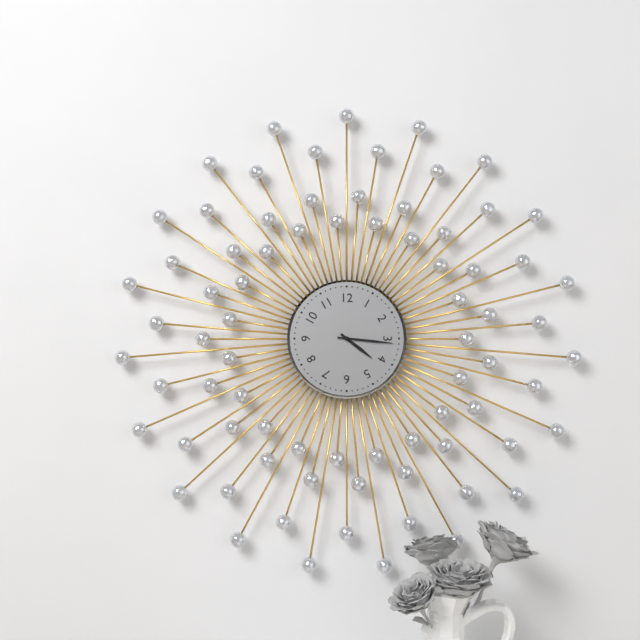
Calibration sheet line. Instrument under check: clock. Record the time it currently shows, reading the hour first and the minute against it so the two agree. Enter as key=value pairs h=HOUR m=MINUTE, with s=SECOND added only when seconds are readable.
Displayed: h=4 m=16
